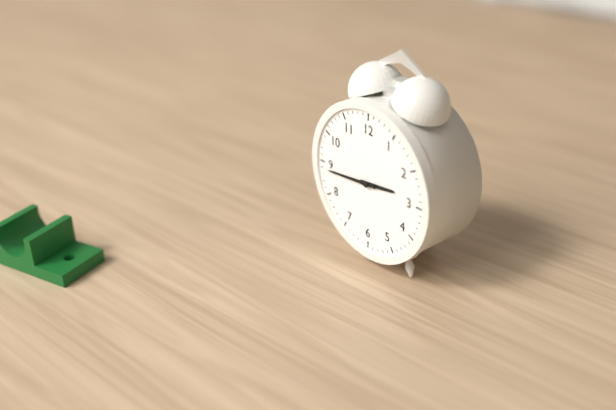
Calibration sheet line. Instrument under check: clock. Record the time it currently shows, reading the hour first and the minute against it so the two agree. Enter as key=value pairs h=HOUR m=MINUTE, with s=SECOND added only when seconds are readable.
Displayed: h=2 m=44
